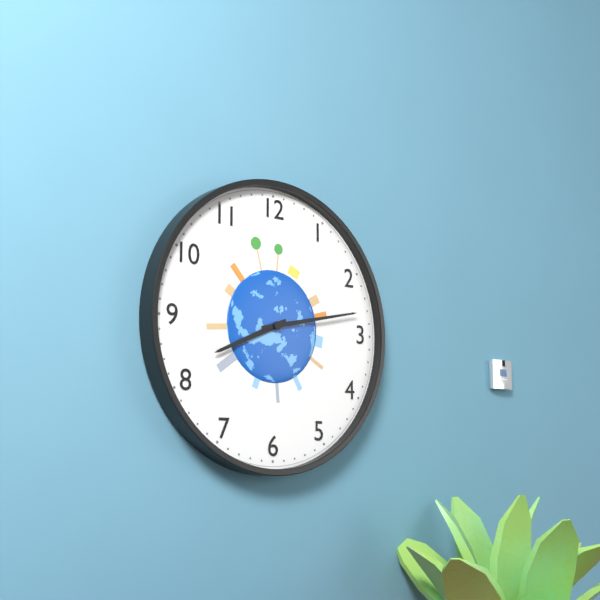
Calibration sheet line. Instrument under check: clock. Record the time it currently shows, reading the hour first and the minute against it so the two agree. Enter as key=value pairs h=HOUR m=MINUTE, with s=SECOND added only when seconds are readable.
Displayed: h=8 m=13
